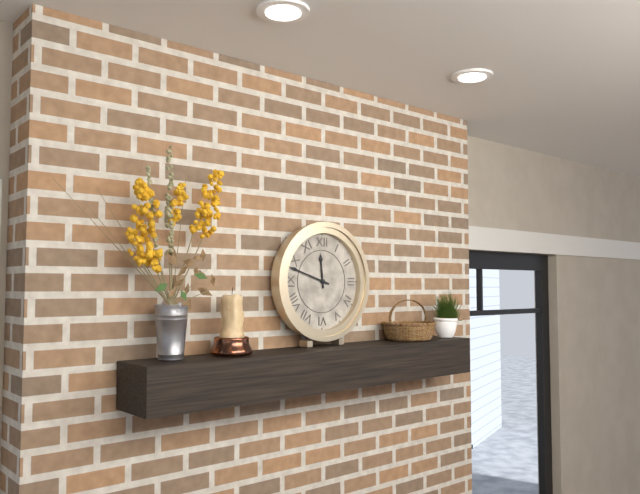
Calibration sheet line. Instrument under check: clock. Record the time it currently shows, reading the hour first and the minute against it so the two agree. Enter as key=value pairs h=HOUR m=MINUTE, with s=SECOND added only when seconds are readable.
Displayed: h=11 m=48
